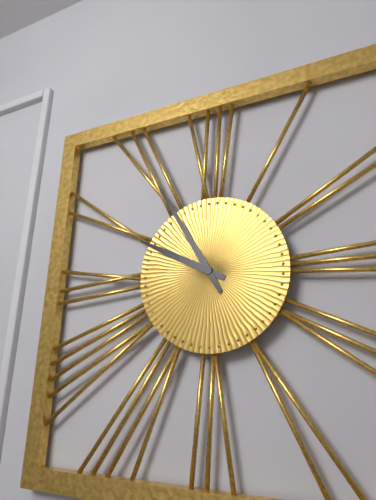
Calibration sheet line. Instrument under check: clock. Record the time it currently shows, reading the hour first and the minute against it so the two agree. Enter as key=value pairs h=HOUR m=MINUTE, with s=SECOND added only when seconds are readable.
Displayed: h=9 m=55
